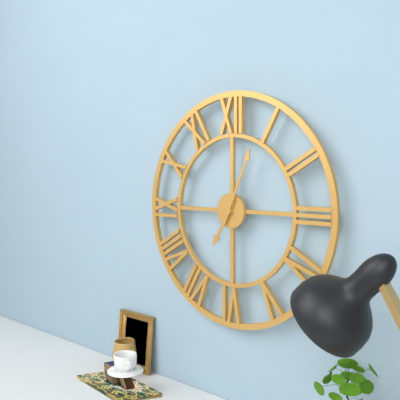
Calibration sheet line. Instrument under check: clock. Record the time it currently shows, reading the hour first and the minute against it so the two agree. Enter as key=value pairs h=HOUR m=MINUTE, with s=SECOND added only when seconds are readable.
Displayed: h=7 m=4
